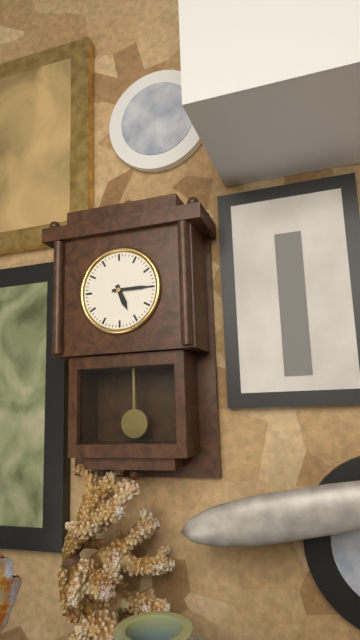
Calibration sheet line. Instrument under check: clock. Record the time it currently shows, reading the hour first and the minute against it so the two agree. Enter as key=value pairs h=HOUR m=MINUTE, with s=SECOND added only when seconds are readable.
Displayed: h=5 m=15
